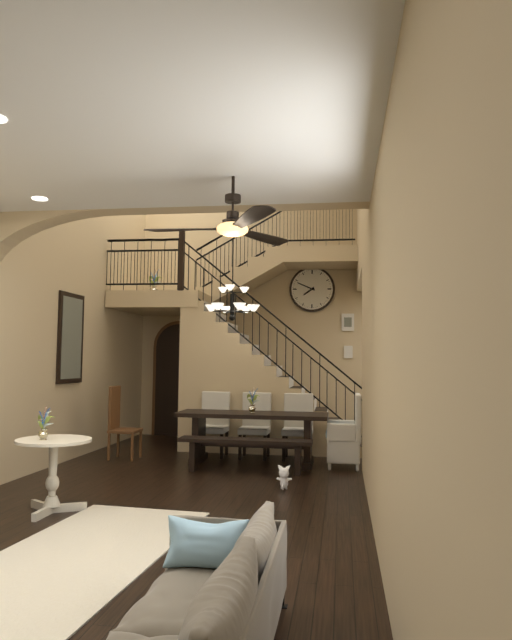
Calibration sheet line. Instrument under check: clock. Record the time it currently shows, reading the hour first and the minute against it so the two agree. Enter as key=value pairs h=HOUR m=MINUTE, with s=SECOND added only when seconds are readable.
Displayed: h=7 m=49
